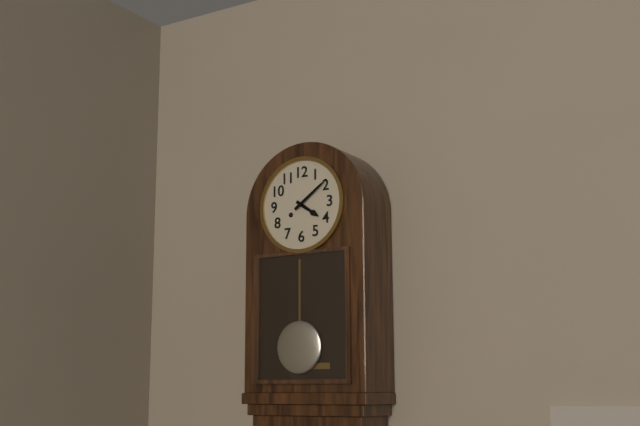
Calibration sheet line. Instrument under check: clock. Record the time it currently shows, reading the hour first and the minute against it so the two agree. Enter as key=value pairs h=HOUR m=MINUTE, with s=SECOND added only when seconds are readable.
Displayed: h=4 m=9
